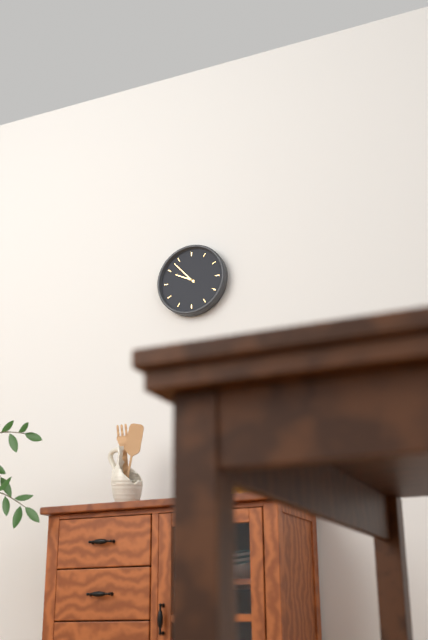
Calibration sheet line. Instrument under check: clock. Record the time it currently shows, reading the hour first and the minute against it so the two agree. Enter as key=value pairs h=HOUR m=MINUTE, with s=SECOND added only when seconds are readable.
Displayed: h=9 m=53
